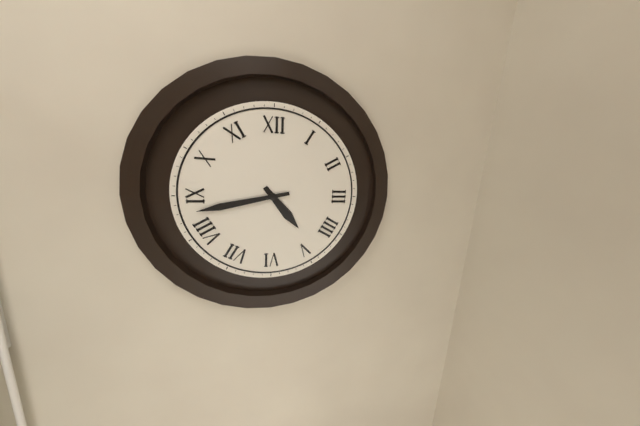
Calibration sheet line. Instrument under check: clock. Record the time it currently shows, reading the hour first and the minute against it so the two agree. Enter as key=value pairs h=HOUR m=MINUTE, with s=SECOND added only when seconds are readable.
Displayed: h=4 m=43
